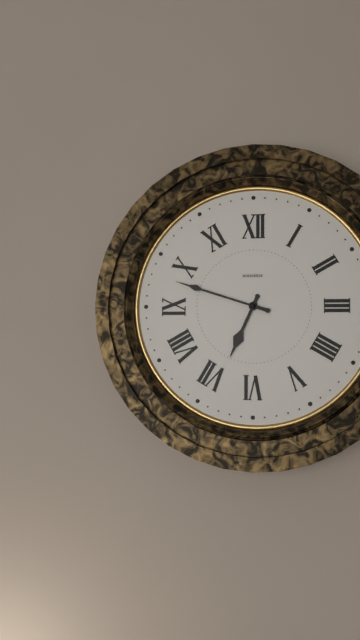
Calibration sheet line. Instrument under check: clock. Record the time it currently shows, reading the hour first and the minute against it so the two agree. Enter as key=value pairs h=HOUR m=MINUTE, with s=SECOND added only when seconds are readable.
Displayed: h=6 m=48
